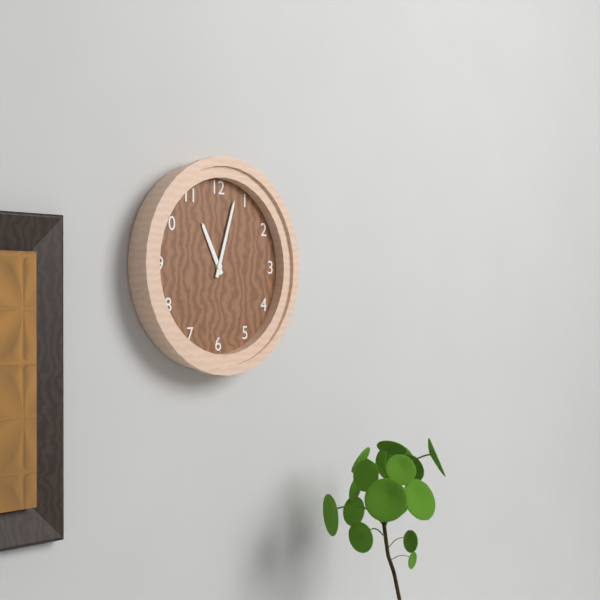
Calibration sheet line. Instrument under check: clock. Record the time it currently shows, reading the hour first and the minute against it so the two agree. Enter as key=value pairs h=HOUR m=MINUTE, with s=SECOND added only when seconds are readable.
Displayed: h=11 m=3
